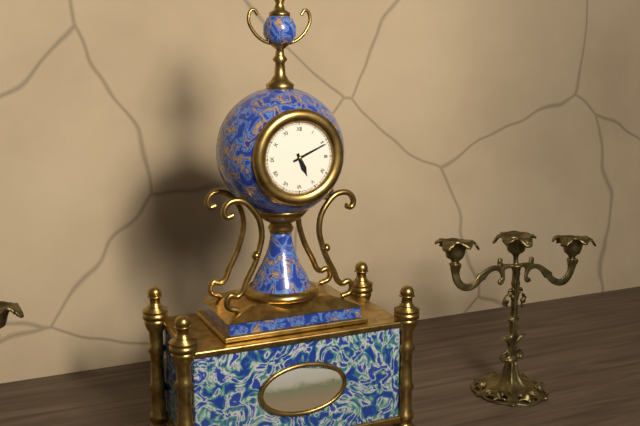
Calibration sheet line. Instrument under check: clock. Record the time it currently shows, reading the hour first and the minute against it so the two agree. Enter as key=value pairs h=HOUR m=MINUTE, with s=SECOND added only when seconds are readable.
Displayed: h=5 m=11
